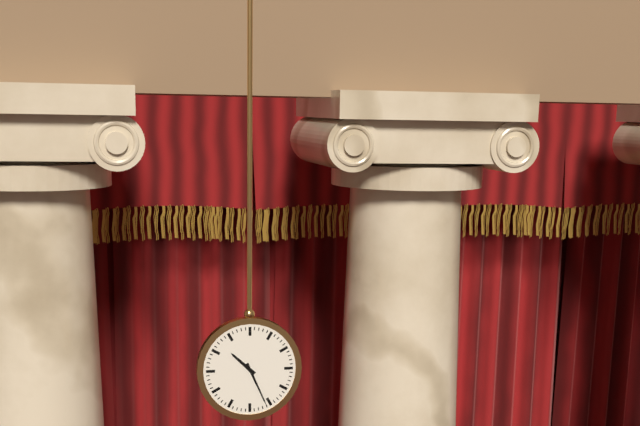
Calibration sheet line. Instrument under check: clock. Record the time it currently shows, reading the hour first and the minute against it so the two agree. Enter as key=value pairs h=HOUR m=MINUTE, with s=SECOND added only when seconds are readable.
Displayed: h=10 m=26
